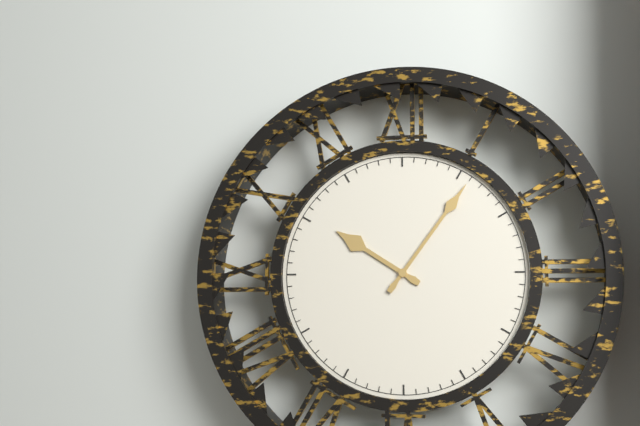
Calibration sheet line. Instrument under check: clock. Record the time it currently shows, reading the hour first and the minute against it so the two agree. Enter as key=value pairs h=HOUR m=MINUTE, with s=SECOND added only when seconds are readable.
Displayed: h=10 m=6
